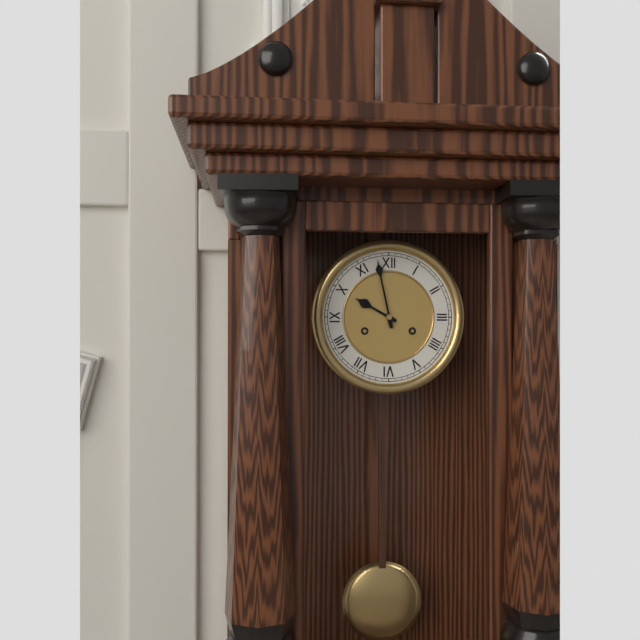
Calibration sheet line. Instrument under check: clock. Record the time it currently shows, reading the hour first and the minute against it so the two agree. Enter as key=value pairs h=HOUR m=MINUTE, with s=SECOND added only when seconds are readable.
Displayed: h=9 m=58
